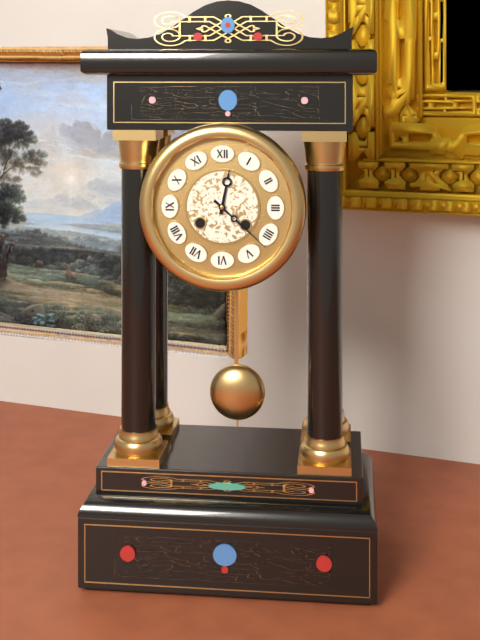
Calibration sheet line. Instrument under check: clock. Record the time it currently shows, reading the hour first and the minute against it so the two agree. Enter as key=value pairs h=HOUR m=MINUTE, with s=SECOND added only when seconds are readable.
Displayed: h=12 m=22
